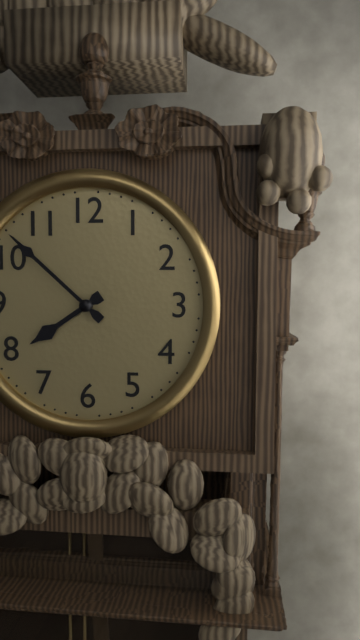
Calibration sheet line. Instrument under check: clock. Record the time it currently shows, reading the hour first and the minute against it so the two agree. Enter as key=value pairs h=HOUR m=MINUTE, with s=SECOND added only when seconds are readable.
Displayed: h=7 m=52
